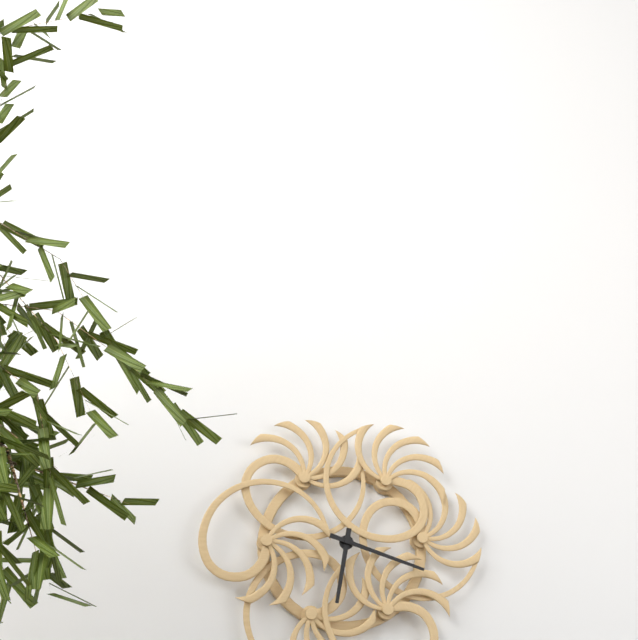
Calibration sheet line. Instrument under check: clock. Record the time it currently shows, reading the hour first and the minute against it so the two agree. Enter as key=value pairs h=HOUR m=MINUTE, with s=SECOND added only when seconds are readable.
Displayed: h=6 m=18
